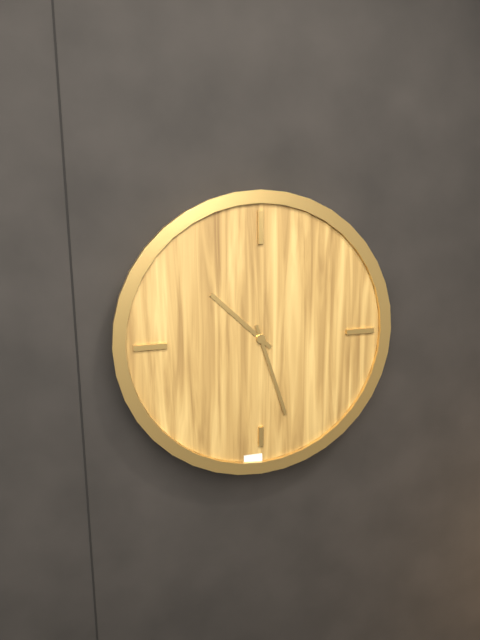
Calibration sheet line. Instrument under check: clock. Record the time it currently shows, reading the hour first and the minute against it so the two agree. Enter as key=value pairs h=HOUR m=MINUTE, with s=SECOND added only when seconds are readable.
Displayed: h=10 m=27
